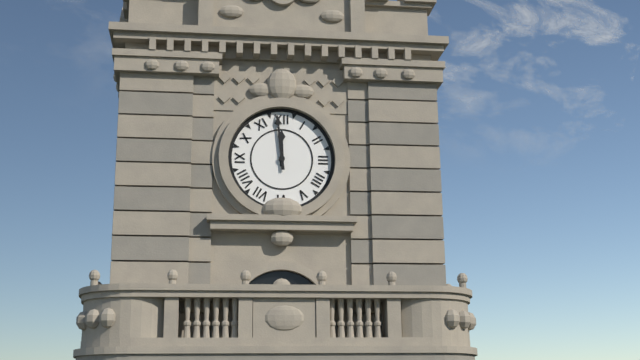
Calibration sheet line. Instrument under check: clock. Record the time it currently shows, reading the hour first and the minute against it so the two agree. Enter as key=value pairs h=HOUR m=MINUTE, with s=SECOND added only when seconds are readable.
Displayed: h=11 m=59
